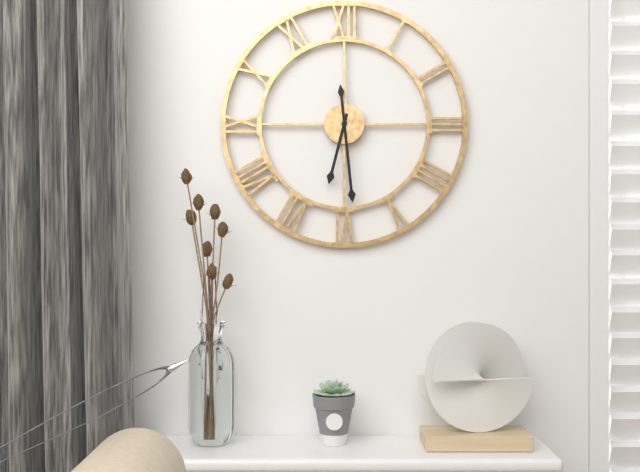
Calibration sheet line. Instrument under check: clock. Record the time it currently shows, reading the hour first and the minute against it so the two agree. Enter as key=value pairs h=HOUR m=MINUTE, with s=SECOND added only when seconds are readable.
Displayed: h=6 m=29
